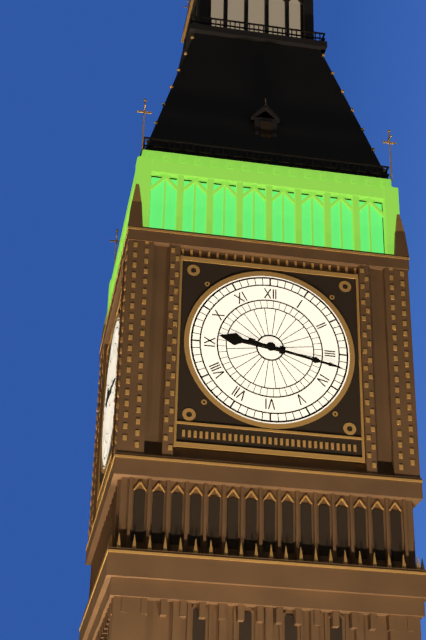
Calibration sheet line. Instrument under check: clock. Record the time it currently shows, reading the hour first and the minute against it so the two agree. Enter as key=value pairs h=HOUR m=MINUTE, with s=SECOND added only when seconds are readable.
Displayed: h=9 m=17
